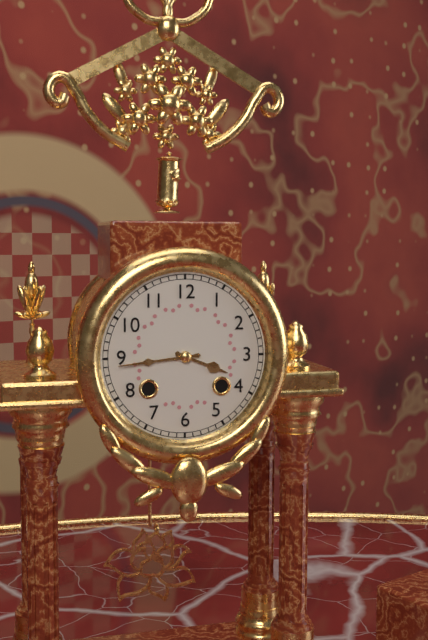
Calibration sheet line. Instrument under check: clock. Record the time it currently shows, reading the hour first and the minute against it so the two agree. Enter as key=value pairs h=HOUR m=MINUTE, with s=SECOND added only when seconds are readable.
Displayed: h=3 m=44
